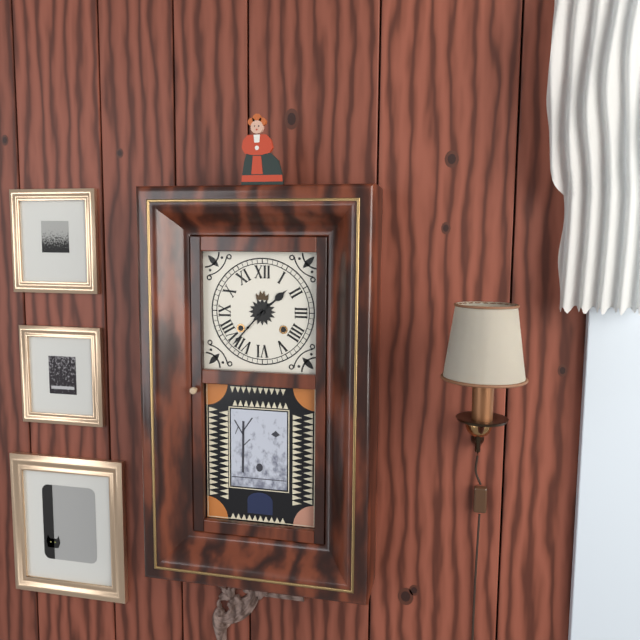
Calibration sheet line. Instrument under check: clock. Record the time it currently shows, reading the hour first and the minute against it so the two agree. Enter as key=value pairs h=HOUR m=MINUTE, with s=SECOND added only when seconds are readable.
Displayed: h=1 m=37
